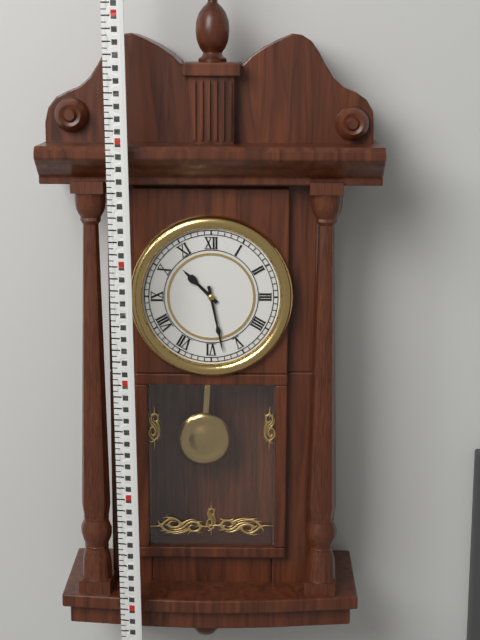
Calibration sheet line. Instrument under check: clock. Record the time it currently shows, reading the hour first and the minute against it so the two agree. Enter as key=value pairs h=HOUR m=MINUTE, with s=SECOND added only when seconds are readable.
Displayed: h=10 m=28
